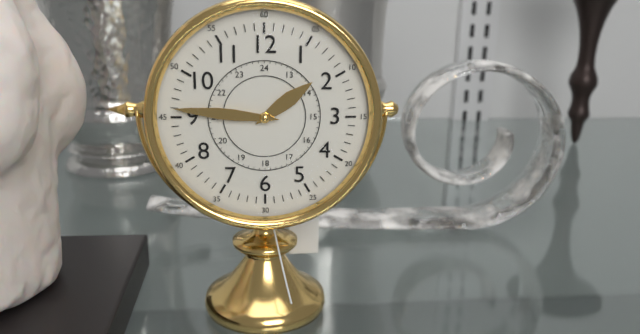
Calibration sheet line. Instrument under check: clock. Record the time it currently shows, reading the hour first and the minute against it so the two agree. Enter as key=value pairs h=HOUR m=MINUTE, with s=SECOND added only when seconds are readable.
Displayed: h=1 m=46
